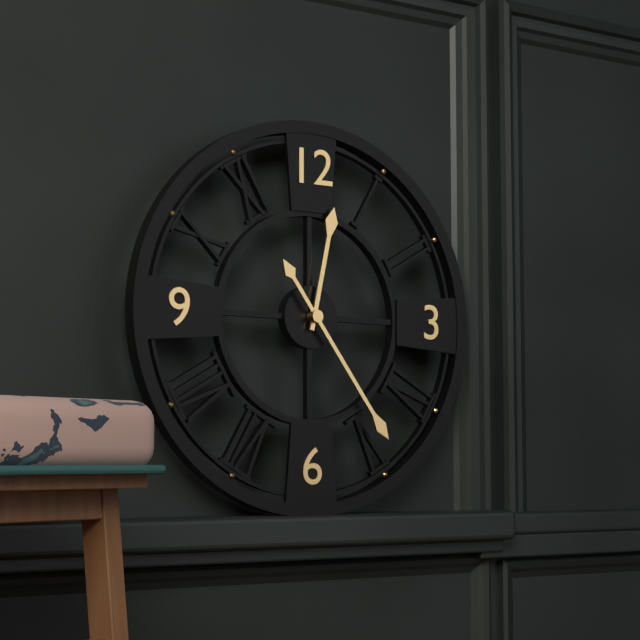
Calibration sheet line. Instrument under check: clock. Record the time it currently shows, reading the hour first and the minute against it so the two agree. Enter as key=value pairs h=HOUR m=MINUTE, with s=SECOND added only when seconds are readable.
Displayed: h=12 m=24
